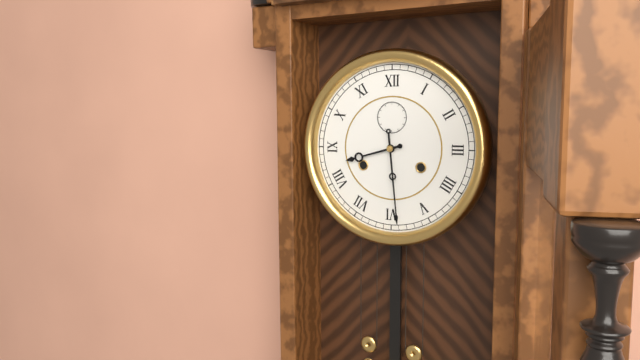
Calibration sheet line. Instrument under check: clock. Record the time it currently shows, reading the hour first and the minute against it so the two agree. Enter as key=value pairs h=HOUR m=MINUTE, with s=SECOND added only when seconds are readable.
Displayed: h=8 m=29
